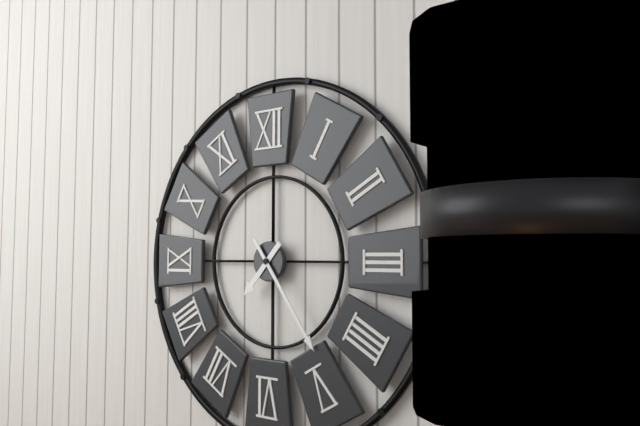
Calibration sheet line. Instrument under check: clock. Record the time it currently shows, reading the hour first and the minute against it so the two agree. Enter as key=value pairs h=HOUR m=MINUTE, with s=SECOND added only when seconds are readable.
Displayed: h=7 m=24
